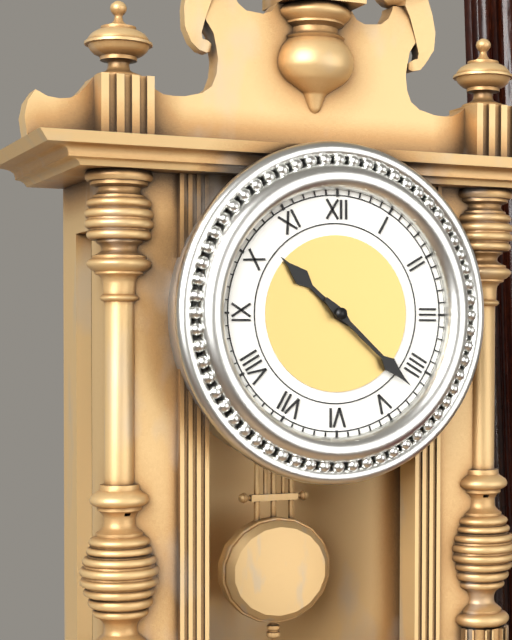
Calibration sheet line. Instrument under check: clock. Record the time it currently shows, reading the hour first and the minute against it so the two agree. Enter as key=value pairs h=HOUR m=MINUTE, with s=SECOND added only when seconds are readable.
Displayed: h=10 m=22
